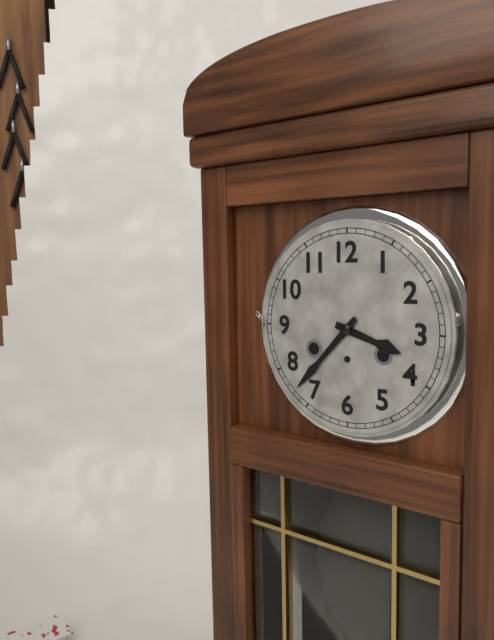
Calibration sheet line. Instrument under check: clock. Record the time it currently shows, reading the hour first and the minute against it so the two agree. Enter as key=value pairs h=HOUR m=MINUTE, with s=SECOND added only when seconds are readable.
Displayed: h=3 m=37
